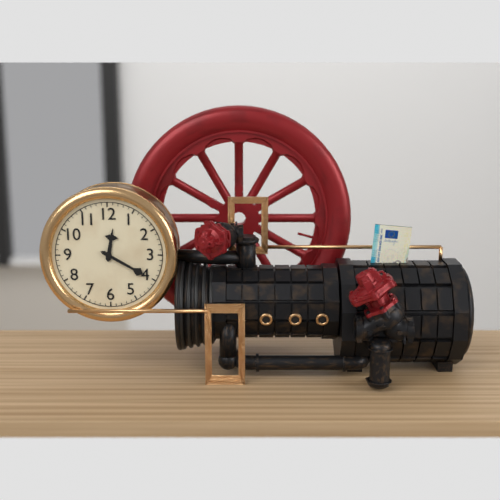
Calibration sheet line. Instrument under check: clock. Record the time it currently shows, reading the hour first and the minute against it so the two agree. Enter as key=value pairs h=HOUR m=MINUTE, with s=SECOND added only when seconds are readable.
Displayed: h=12 m=20
